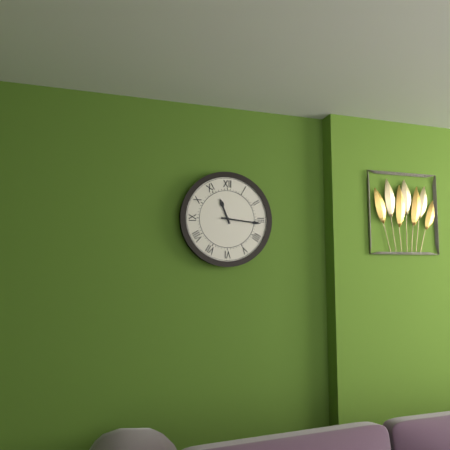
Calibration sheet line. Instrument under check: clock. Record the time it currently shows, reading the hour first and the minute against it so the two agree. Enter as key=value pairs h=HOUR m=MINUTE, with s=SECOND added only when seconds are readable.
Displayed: h=11 m=16
